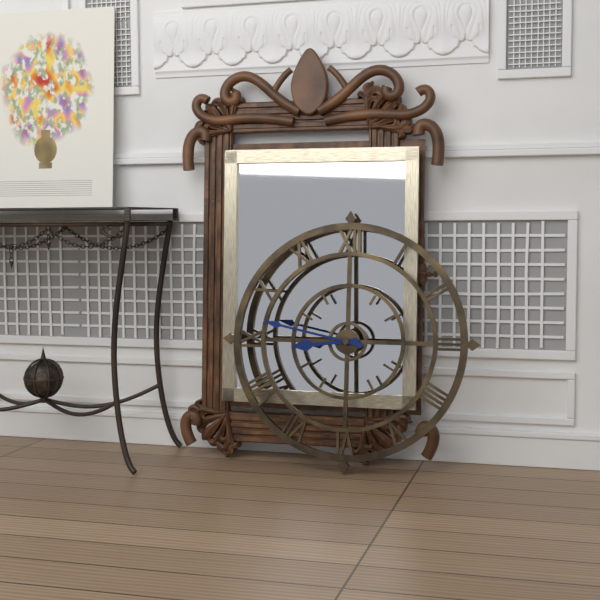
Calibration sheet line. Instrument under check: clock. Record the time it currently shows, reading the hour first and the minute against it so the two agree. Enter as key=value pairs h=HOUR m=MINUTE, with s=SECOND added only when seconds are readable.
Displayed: h=8 m=47
